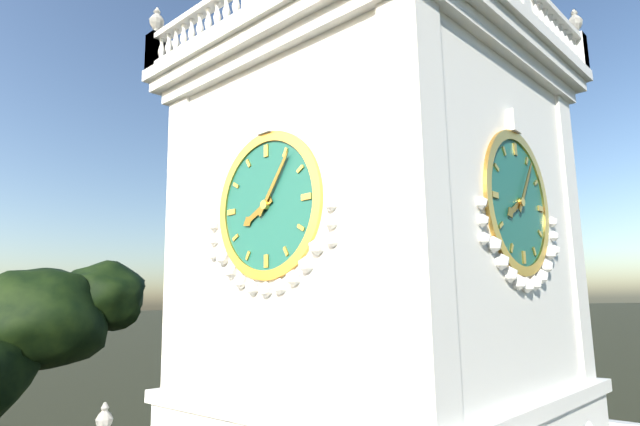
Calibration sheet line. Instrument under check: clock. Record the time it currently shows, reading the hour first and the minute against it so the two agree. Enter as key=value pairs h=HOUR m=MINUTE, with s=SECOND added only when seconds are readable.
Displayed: h=8 m=6
